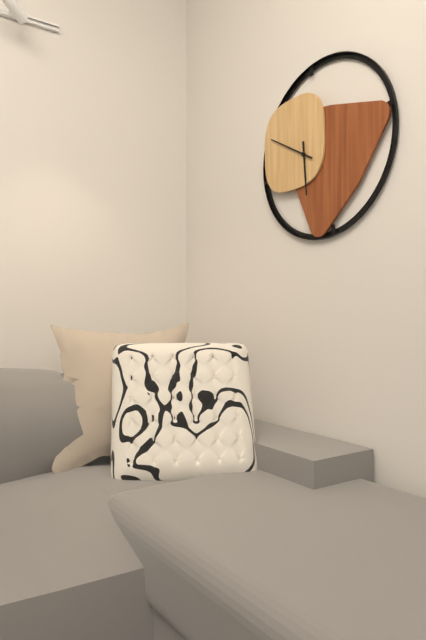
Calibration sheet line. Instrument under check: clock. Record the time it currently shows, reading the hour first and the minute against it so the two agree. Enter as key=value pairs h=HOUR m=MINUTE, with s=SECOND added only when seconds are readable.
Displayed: h=5 m=50
